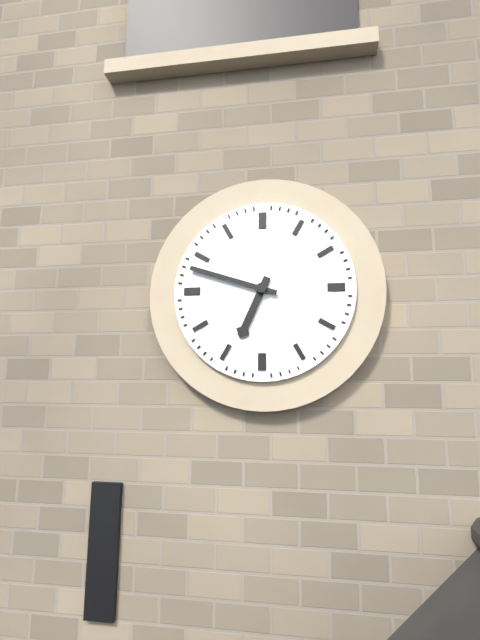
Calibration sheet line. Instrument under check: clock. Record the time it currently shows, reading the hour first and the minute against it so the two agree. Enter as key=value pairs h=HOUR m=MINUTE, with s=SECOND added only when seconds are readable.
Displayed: h=6 m=48
